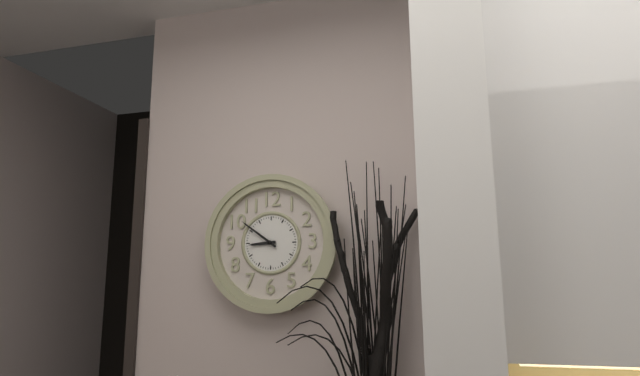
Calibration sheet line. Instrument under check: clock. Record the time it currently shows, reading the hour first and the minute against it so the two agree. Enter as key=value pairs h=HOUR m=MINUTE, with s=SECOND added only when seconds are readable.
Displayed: h=8 m=51
